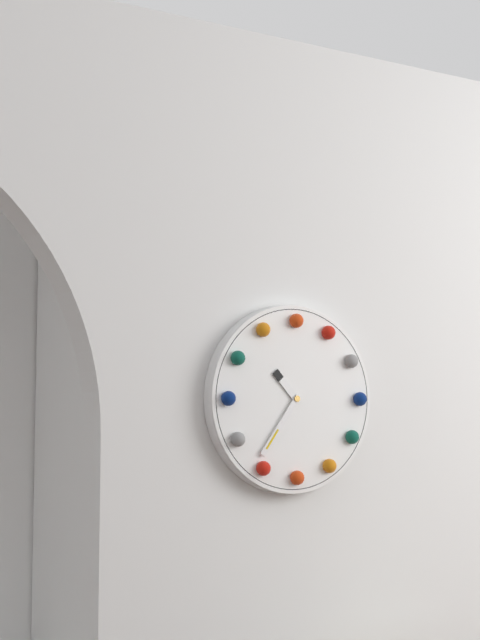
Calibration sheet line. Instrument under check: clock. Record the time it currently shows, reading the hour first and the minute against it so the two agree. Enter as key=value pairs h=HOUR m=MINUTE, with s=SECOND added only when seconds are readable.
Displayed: h=10 m=36
